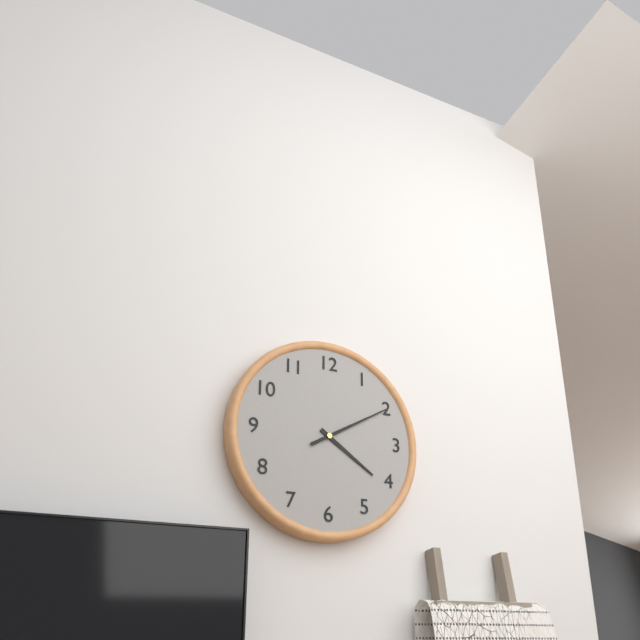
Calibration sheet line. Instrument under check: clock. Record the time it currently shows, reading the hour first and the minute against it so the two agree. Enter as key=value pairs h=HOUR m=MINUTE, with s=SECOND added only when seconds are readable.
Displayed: h=4 m=10
